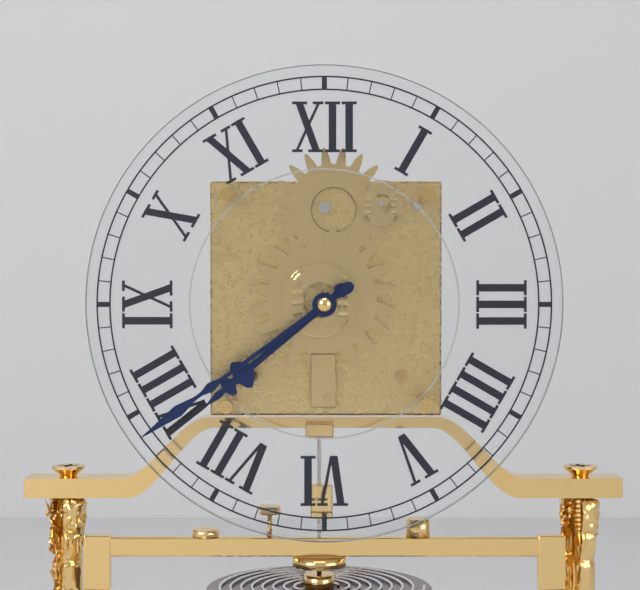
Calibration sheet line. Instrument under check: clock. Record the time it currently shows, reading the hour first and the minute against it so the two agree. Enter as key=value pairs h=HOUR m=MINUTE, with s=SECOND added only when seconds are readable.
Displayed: h=7 m=39
